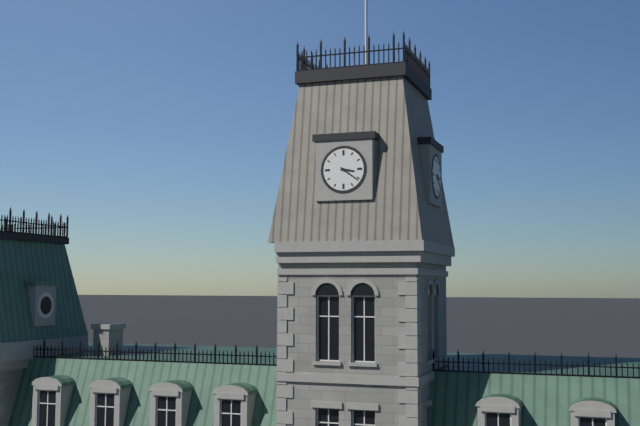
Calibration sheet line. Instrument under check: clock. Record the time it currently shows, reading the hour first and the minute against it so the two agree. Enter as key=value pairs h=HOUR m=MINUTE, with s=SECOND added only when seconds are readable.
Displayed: h=3 m=21
